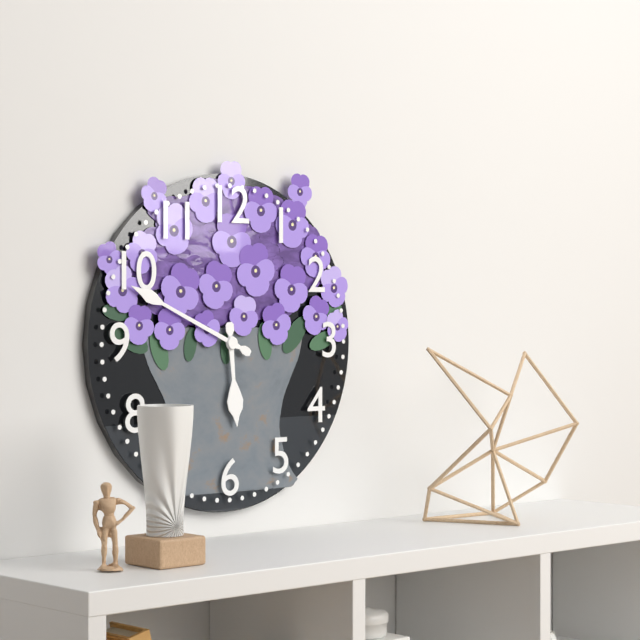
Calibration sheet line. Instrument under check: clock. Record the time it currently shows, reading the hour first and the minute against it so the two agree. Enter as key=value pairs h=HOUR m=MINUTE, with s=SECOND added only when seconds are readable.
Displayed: h=5 m=49
